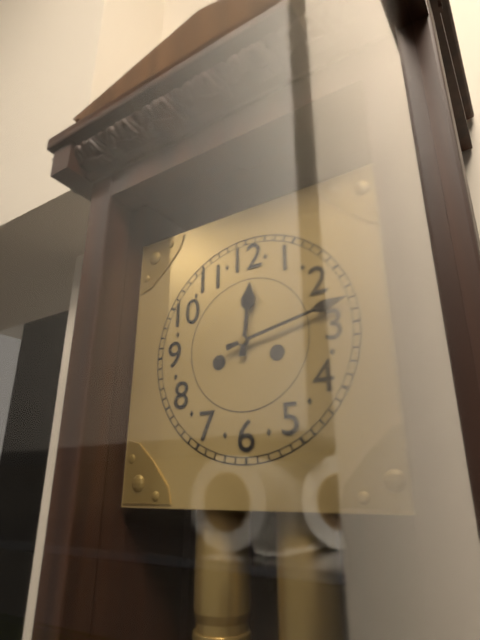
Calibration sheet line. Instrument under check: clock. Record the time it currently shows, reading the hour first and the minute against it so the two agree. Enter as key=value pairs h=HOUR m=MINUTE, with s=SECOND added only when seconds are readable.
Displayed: h=12 m=13
